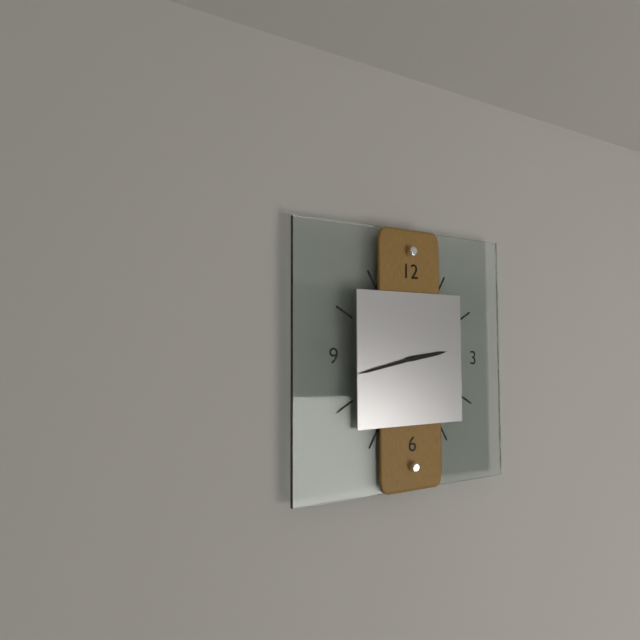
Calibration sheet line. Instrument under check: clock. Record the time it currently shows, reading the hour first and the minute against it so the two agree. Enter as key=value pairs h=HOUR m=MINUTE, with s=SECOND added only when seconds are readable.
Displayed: h=2 m=43
